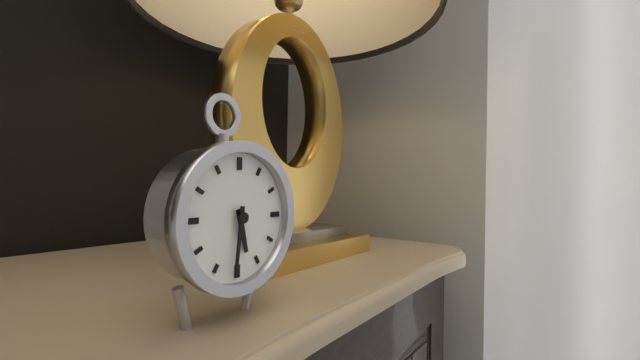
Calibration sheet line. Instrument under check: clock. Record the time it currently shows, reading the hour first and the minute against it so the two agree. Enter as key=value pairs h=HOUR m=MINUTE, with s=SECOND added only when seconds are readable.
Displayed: h=5 m=31
